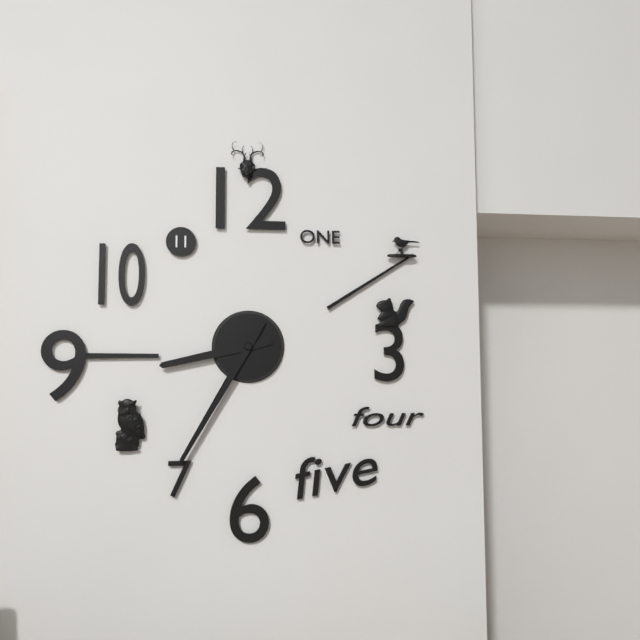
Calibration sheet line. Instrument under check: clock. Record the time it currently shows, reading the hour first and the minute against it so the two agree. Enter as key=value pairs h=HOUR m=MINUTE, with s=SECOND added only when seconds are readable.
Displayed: h=8 m=35
